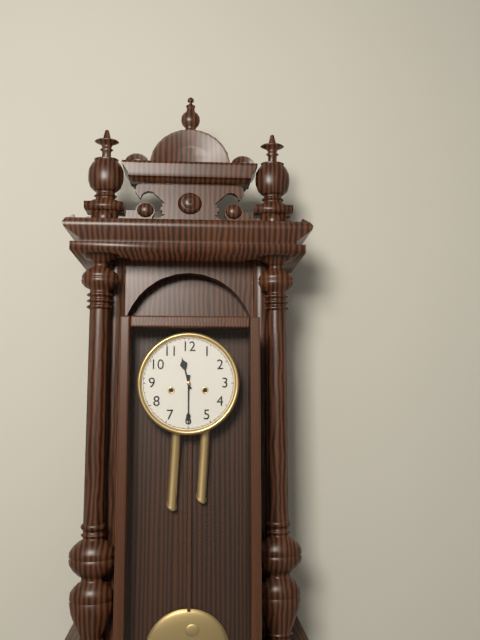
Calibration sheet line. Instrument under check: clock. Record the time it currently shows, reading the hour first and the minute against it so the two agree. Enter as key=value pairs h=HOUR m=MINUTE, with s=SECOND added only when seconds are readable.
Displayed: h=11 m=30
